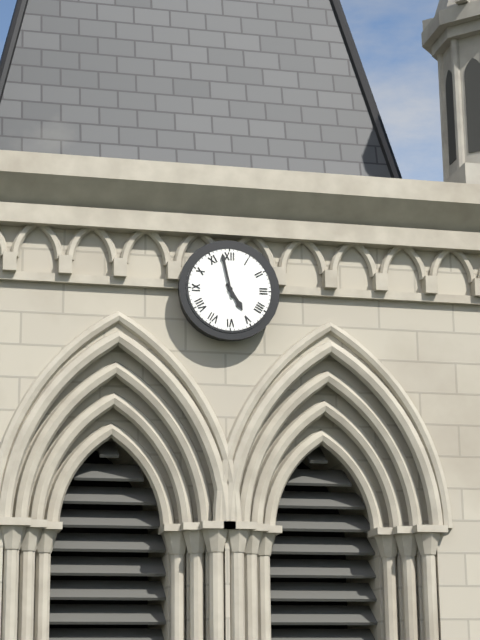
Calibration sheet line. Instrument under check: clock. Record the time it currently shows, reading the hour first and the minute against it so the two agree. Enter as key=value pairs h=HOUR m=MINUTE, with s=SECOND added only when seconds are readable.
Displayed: h=4 m=58
